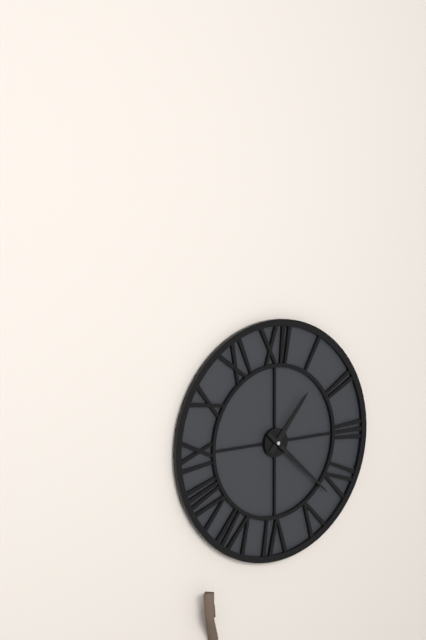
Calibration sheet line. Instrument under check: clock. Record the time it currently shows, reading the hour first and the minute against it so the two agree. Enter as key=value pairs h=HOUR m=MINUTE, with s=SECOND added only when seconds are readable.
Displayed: h=1 m=22
